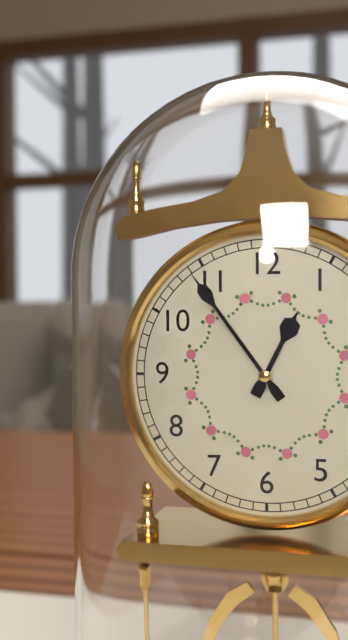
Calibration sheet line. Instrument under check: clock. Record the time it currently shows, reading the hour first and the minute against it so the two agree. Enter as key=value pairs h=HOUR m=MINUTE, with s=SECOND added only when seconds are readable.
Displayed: h=12 m=54
